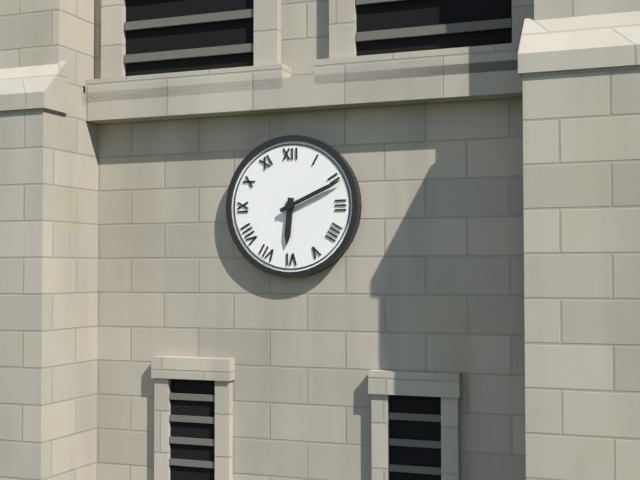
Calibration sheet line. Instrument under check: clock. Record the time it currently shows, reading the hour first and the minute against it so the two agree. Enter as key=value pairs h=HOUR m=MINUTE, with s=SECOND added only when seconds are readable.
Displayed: h=6 m=11
